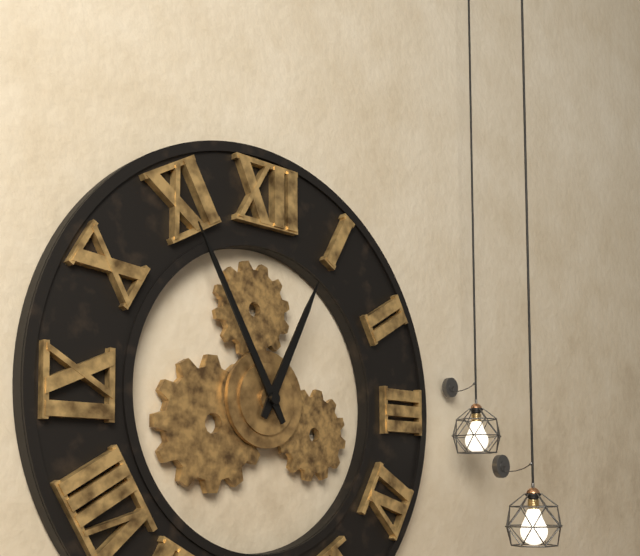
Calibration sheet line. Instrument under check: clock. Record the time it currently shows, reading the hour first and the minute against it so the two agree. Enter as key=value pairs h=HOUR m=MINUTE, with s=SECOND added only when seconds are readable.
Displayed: h=12 m=55
